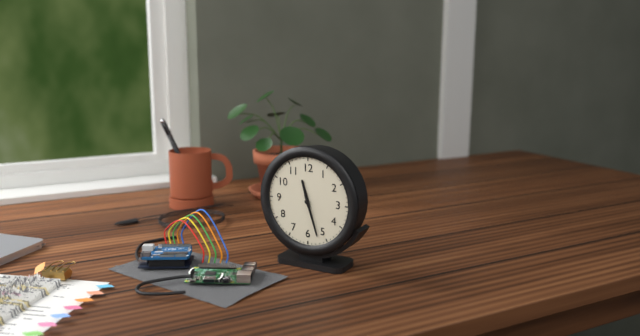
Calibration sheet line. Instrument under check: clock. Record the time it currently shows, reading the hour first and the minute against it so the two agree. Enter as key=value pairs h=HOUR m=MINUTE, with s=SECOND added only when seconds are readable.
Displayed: h=11 m=27
